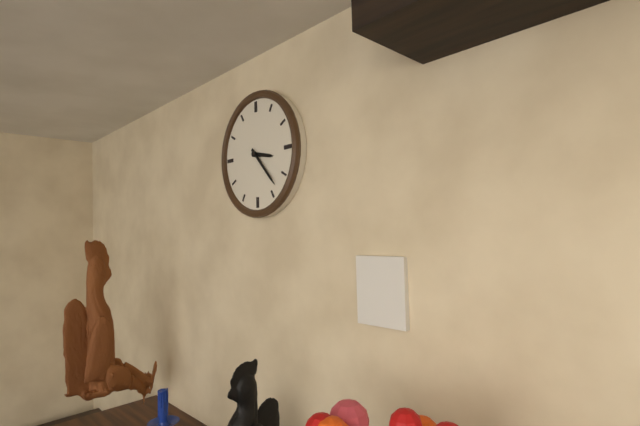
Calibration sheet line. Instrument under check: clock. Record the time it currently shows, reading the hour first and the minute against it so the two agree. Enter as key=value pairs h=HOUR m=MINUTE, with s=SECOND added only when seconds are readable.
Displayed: h=3 m=23
